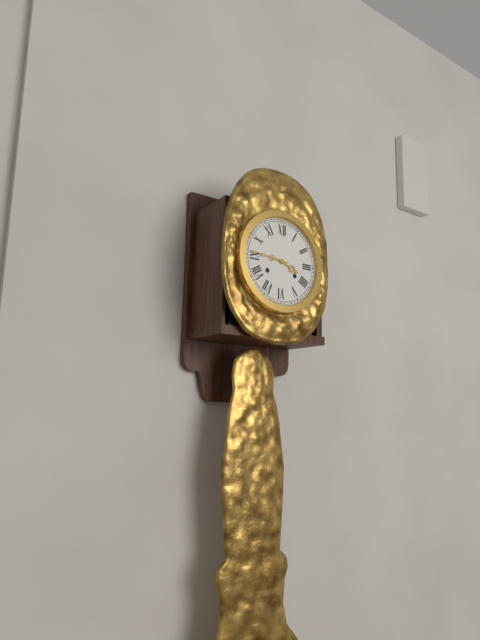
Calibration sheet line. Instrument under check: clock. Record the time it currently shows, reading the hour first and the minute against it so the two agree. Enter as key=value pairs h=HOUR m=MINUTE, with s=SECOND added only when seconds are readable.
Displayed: h=3 m=46
